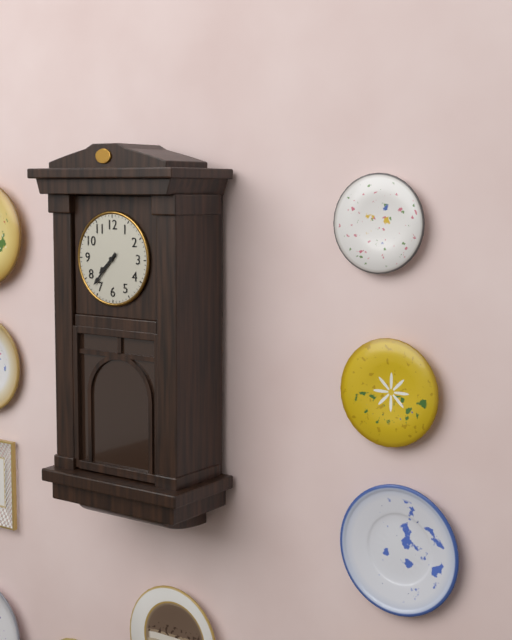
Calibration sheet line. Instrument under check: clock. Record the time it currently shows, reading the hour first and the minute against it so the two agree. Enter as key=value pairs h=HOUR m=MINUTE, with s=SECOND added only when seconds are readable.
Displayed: h=7 m=37
